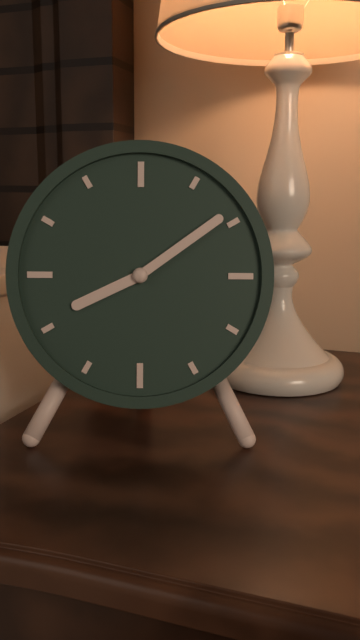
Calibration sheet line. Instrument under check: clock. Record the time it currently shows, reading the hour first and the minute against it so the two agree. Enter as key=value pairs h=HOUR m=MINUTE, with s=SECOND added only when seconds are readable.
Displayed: h=8 m=9
